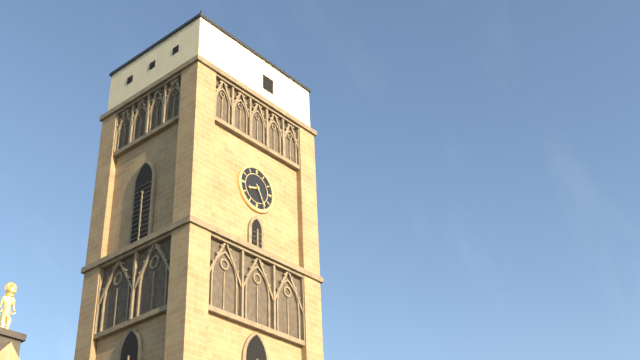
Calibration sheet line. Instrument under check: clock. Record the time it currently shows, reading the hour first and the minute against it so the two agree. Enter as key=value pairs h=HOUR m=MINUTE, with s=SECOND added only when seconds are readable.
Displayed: h=8 m=25
